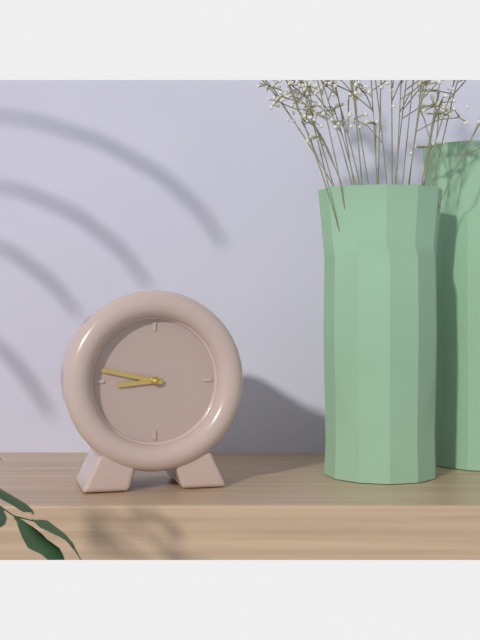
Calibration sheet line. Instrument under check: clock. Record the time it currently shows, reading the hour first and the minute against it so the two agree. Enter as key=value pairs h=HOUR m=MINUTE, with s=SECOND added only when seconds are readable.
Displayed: h=8 m=47
